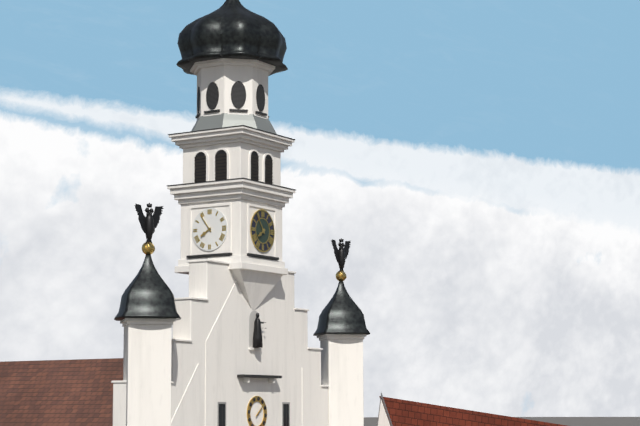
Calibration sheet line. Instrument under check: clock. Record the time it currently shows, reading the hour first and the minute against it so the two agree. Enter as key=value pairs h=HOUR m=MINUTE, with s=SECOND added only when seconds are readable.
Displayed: h=7 m=54
